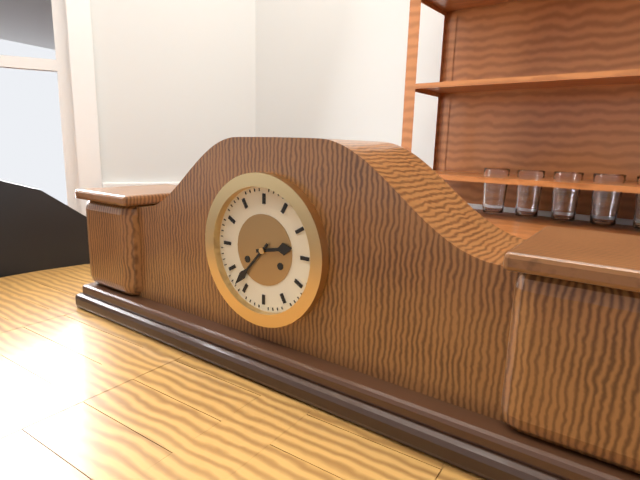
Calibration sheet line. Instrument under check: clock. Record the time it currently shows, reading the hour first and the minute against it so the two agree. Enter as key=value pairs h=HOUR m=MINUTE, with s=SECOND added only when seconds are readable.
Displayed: h=2 m=37
